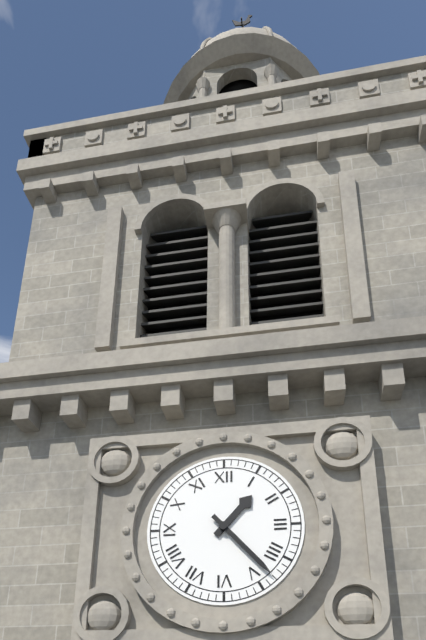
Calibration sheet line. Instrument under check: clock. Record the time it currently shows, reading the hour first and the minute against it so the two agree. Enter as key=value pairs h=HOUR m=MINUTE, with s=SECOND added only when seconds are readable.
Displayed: h=1 m=23
